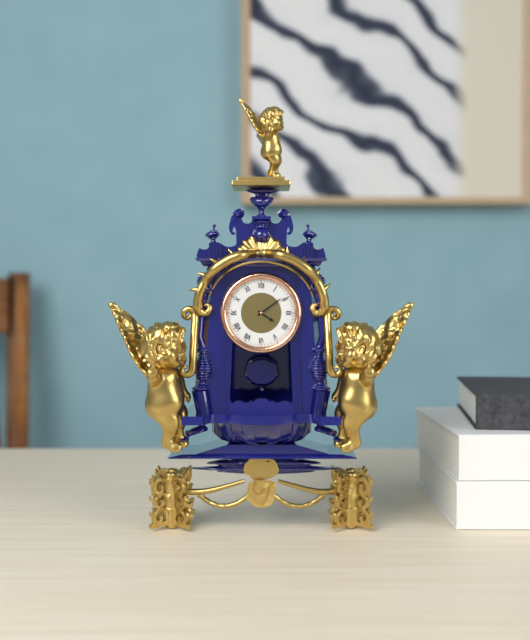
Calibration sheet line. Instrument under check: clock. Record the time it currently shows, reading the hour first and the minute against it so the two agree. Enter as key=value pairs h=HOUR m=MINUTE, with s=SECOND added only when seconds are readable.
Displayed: h=4 m=9
